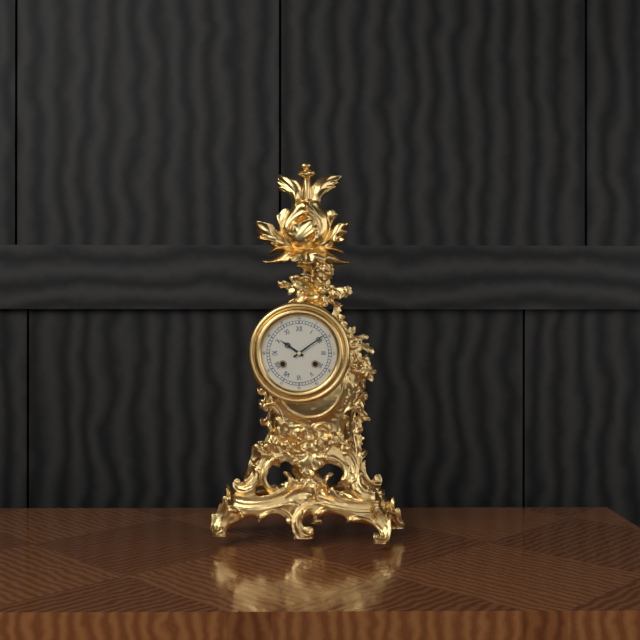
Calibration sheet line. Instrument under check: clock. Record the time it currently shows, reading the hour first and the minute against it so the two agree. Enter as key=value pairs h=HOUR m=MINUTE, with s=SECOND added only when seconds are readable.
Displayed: h=10 m=9
